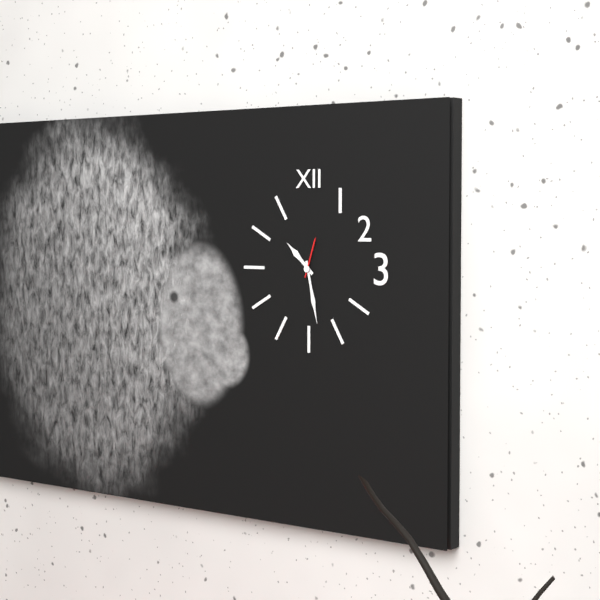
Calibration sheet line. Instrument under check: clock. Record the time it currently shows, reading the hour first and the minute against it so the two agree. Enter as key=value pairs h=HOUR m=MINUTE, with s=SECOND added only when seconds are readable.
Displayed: h=10 m=28
